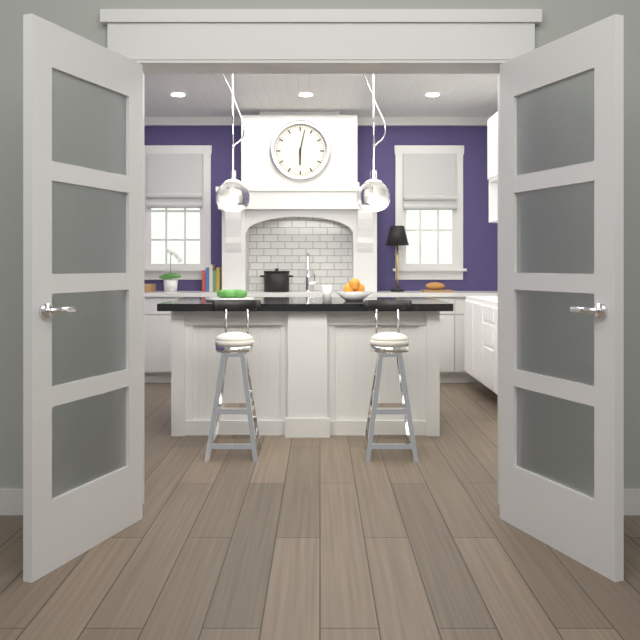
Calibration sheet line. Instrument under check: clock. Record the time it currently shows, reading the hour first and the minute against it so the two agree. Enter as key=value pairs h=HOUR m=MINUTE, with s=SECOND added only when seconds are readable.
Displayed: h=6 m=2
